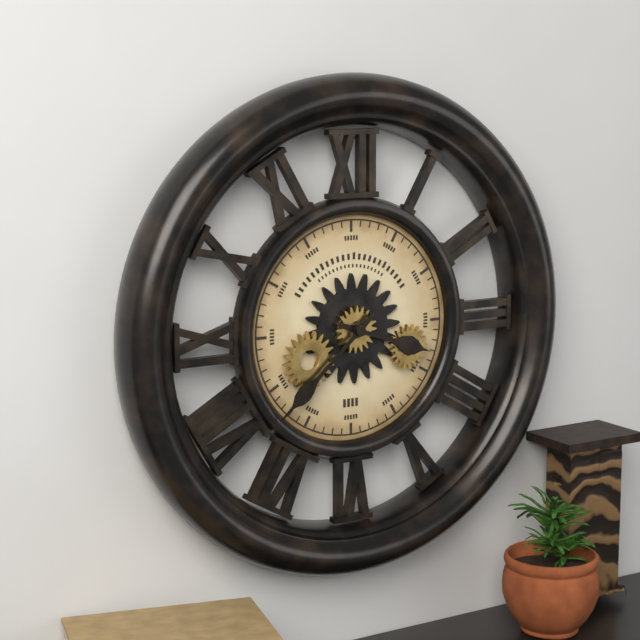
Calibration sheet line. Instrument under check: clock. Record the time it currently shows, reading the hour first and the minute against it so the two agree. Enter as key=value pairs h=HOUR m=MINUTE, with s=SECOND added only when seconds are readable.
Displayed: h=3 m=38
